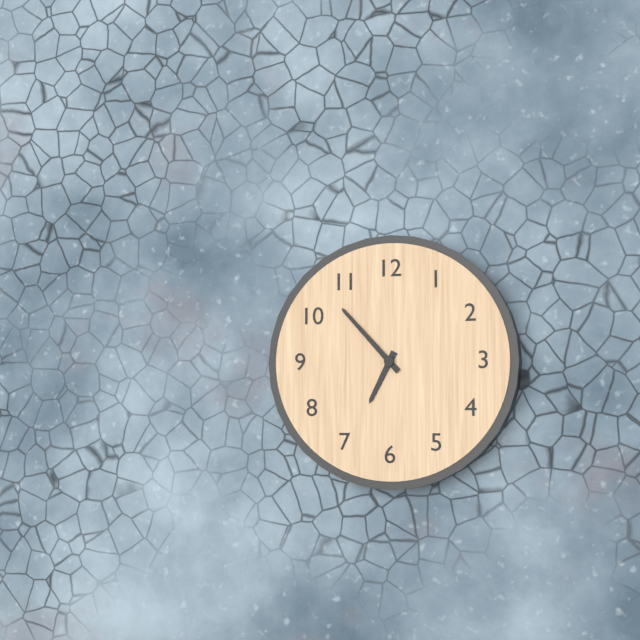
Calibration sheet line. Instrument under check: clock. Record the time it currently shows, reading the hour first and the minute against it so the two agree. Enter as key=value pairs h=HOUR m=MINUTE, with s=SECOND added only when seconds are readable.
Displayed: h=6 m=53
